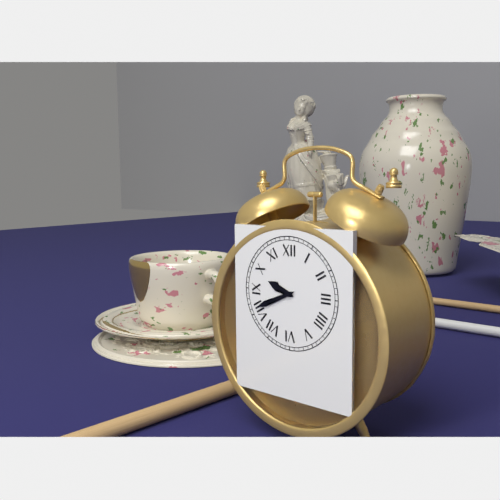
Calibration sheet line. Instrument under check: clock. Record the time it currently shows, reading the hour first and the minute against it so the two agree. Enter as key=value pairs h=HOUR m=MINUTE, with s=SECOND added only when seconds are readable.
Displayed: h=9 m=41
